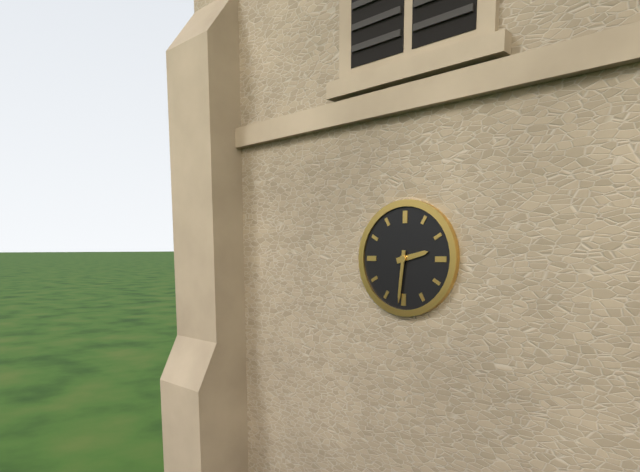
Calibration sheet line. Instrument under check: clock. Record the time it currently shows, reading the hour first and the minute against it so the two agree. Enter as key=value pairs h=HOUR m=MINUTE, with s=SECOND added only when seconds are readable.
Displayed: h=2 m=31
